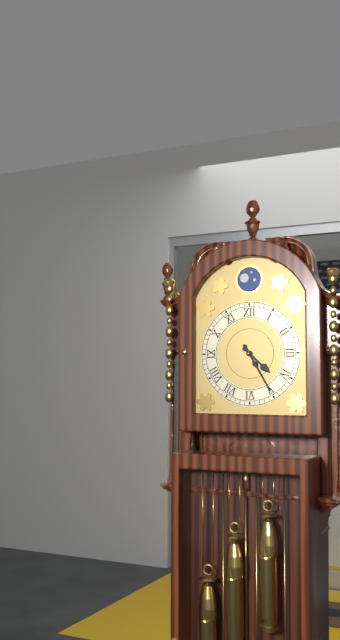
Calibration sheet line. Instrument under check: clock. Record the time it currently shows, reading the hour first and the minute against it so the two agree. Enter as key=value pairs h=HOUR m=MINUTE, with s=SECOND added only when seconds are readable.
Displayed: h=4 m=25
